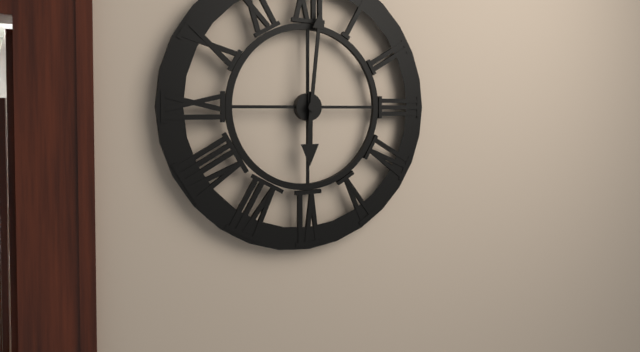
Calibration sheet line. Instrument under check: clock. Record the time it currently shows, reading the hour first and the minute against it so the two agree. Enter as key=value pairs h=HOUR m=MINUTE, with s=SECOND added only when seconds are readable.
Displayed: h=6 m=1
